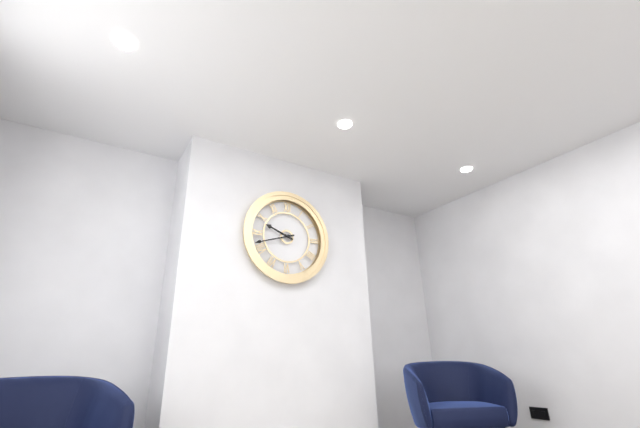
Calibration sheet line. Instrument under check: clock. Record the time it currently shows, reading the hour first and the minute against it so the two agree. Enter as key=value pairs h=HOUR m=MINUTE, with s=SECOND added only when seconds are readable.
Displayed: h=9 m=42
